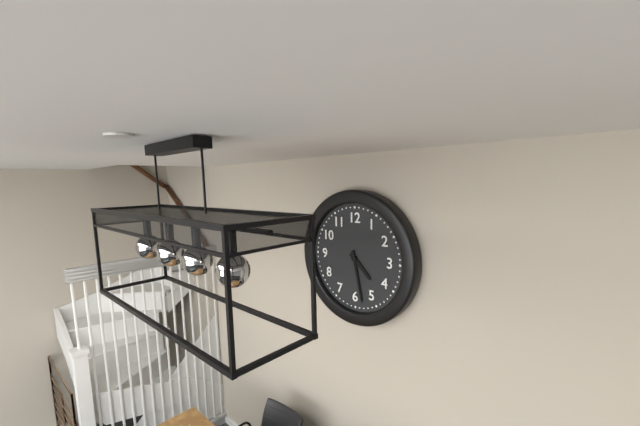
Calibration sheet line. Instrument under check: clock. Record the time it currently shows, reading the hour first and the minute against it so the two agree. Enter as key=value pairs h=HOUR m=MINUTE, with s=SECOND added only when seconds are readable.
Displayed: h=4 m=28
